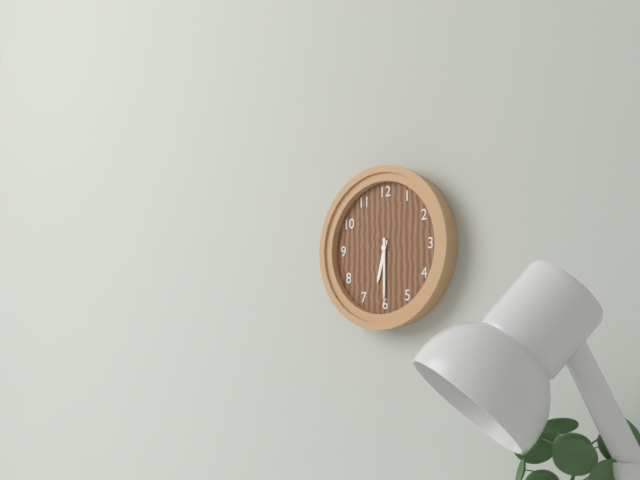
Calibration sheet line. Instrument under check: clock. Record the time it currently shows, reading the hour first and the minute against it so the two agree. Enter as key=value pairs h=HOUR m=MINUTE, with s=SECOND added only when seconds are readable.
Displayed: h=6 m=30
